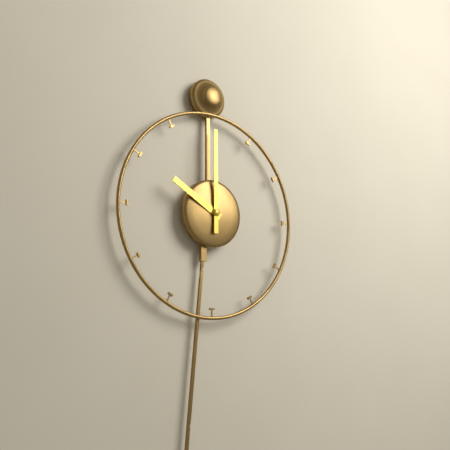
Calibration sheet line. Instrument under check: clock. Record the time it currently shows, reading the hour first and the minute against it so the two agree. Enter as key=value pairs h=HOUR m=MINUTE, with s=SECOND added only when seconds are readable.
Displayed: h=10 m=0
